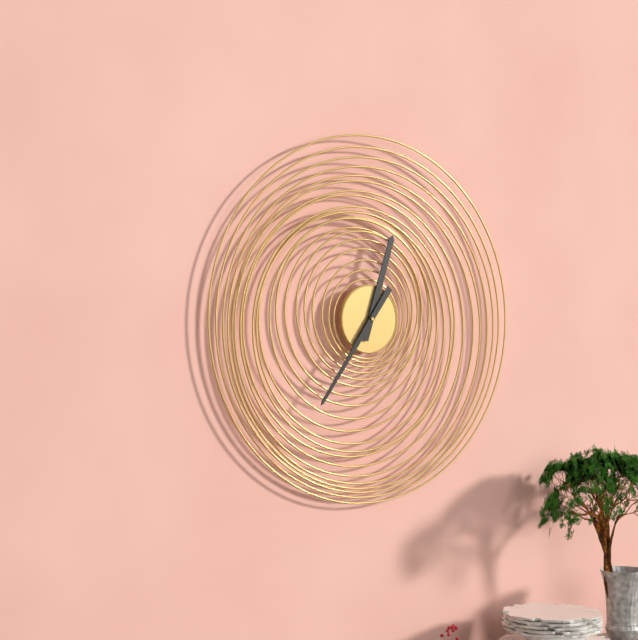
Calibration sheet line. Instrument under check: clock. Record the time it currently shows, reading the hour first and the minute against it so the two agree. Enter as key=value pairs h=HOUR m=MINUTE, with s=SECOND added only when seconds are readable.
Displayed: h=12 m=36
